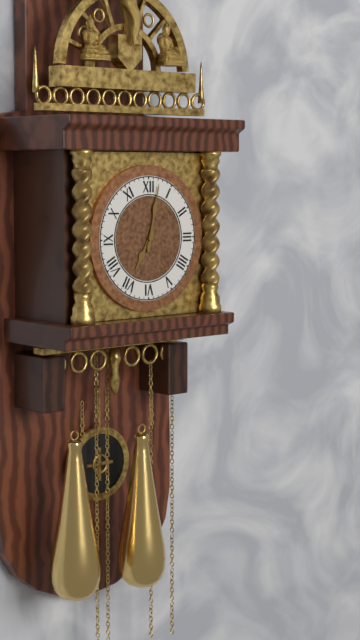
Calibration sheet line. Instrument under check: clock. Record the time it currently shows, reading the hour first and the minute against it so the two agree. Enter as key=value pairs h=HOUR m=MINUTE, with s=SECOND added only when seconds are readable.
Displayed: h=7 m=2
